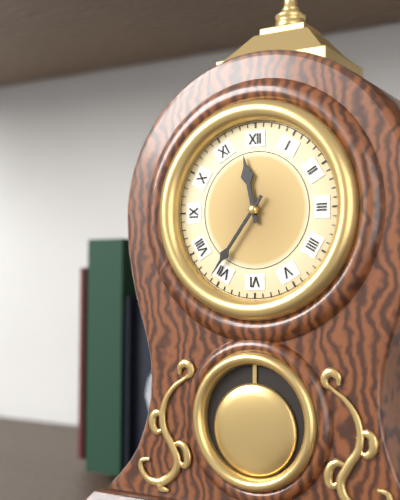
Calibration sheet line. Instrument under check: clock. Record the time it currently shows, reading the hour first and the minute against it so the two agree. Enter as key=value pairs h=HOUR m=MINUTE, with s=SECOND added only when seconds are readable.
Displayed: h=11 m=36
